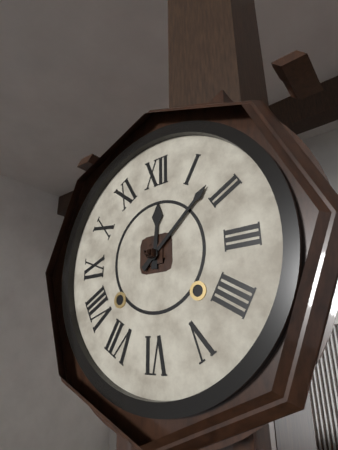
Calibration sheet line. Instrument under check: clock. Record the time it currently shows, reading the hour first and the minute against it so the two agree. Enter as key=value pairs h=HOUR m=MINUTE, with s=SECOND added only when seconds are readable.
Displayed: h=12 m=8
